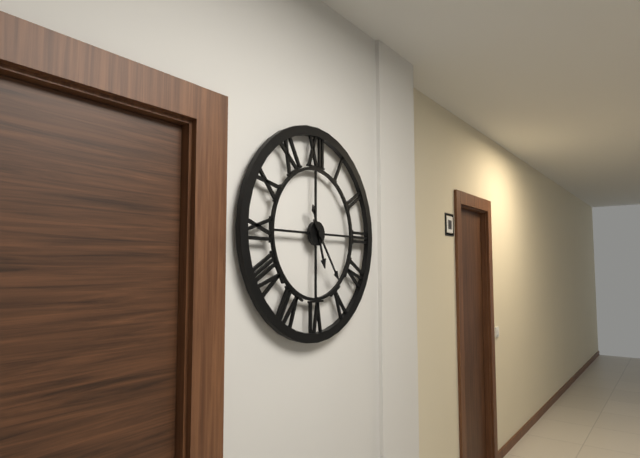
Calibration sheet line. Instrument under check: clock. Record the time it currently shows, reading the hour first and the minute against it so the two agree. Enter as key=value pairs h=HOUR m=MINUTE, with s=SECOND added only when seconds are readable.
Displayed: h=5 m=24
